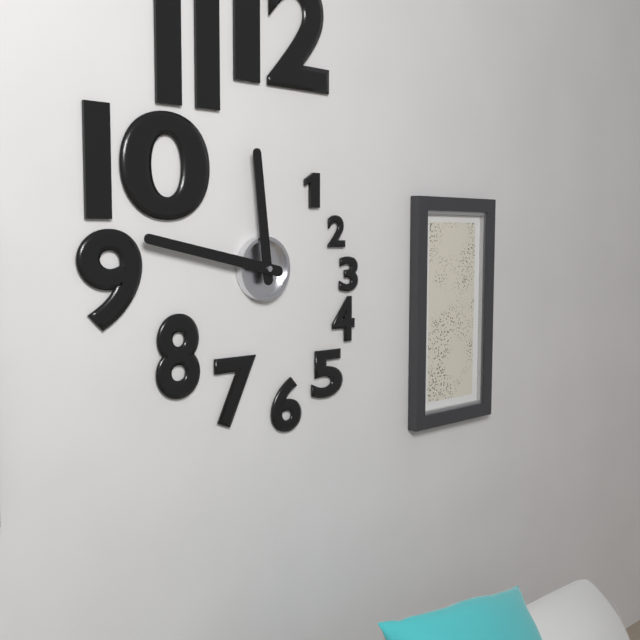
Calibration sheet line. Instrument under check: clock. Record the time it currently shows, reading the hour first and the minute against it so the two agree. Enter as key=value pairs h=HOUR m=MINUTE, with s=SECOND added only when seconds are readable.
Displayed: h=11 m=47
